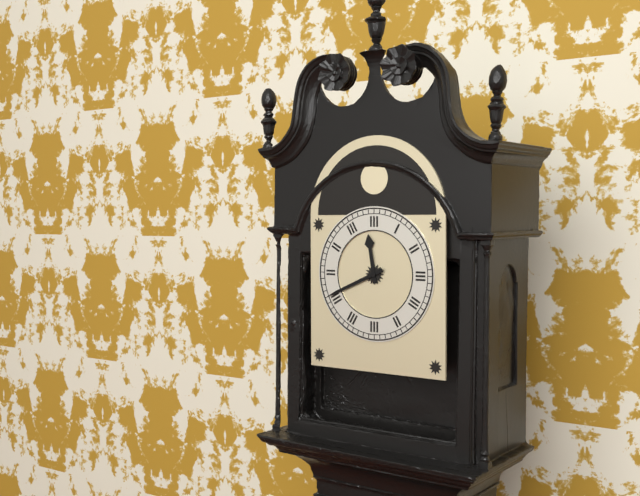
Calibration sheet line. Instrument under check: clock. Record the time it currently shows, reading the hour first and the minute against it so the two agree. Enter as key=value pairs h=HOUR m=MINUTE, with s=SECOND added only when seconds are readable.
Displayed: h=11 m=41
